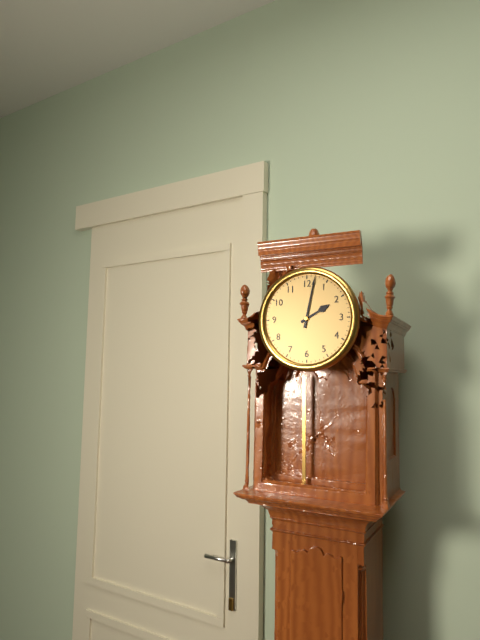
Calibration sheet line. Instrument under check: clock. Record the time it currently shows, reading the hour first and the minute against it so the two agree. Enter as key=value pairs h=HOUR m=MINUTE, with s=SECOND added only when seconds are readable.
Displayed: h=2 m=2
